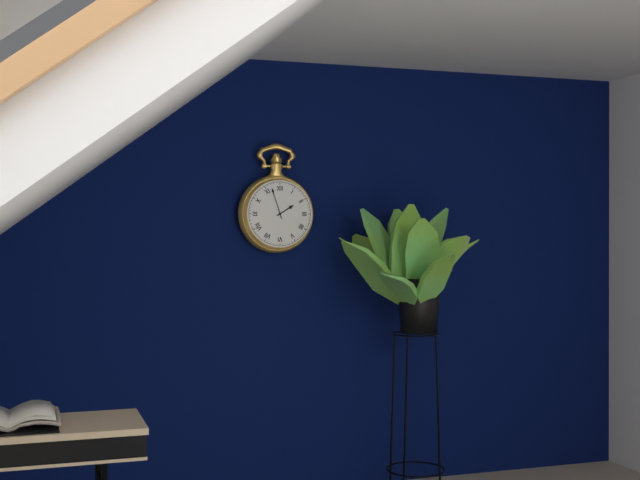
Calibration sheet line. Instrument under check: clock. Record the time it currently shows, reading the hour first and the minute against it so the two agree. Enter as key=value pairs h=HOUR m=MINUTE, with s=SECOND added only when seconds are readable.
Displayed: h=1 m=57
